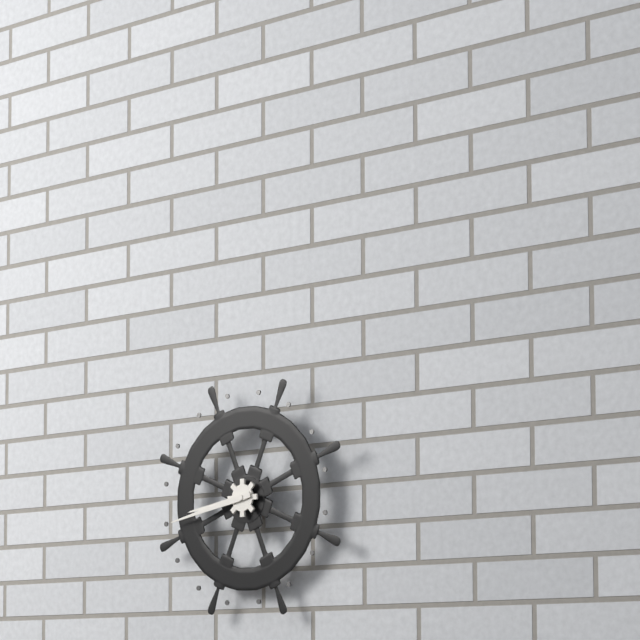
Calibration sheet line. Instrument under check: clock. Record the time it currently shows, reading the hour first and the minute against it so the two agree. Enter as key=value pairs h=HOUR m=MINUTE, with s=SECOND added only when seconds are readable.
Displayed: h=8 m=43
